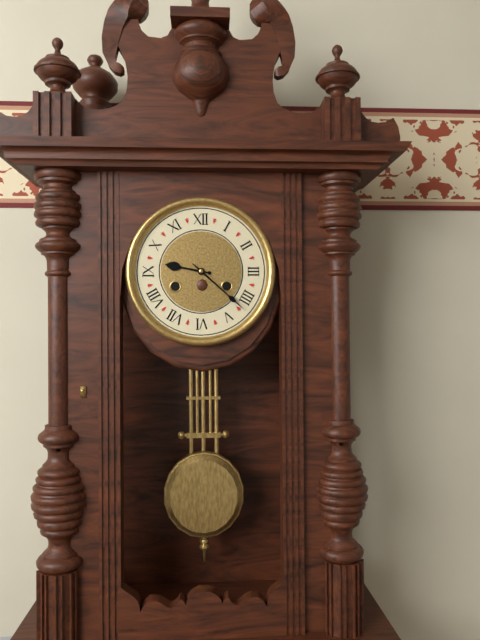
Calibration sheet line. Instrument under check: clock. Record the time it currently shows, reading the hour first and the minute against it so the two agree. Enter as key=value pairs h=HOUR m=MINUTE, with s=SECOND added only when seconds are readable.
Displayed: h=9 m=22
